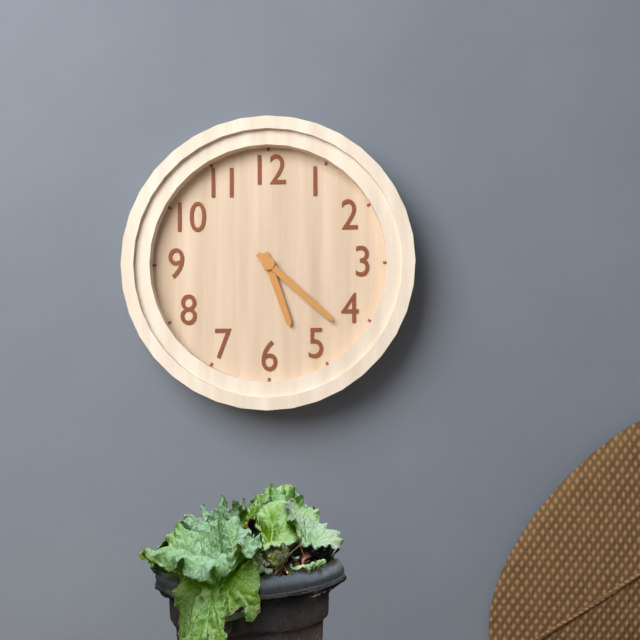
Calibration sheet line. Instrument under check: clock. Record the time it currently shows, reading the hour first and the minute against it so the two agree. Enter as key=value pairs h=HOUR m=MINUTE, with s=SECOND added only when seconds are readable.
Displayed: h=5 m=22
